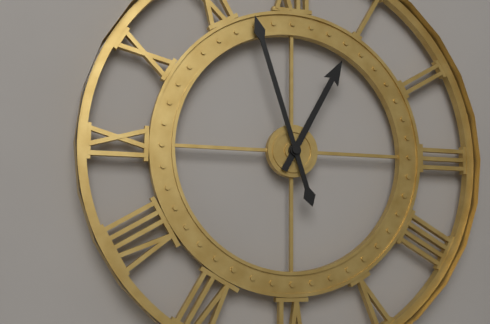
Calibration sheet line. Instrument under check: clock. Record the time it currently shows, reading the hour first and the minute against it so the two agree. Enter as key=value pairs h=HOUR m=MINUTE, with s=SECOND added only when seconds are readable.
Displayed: h=12 m=57
